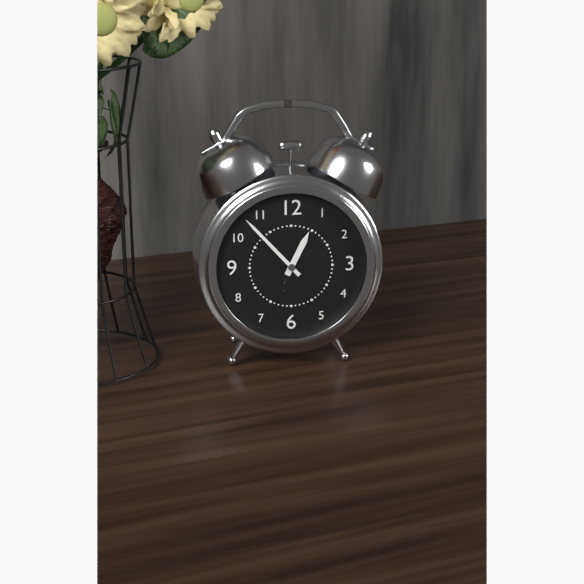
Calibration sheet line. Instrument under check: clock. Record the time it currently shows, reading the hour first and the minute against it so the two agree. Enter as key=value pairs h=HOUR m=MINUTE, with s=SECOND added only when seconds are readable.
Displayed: h=12 m=53
